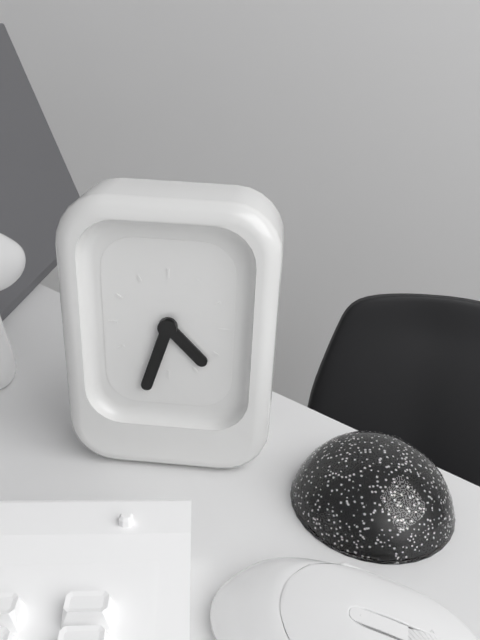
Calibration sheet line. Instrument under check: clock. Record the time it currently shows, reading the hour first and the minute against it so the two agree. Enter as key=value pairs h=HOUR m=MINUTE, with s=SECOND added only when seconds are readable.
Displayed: h=4 m=33
